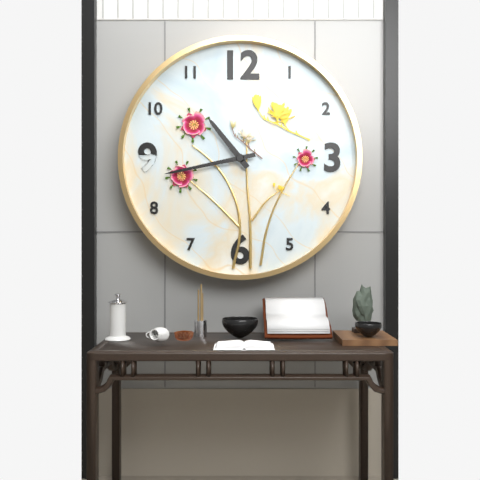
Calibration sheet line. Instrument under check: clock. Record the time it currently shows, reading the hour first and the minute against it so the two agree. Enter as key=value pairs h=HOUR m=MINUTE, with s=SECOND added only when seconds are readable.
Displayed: h=10 m=43
